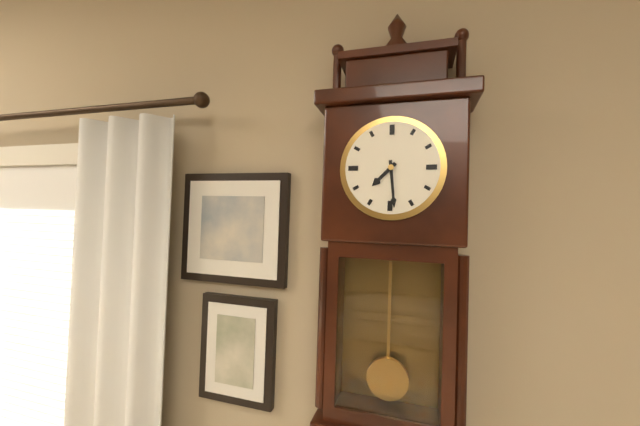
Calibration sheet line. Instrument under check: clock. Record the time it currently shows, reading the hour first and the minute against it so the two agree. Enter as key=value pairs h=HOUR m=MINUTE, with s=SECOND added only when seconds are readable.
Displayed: h=7 m=29
